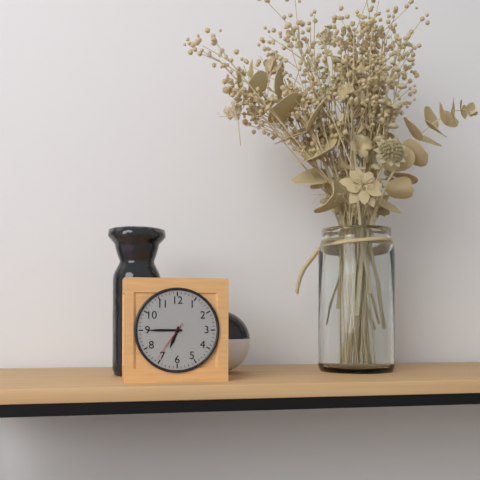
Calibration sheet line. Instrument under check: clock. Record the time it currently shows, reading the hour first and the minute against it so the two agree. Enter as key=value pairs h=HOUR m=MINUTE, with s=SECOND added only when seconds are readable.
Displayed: h=6 m=45
